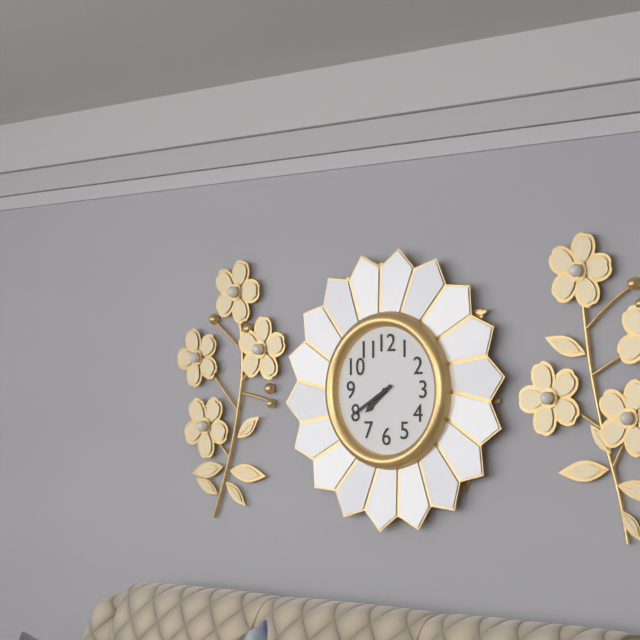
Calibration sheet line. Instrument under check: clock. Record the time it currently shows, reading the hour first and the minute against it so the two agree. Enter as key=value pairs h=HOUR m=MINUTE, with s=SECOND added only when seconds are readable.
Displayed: h=7 m=40
